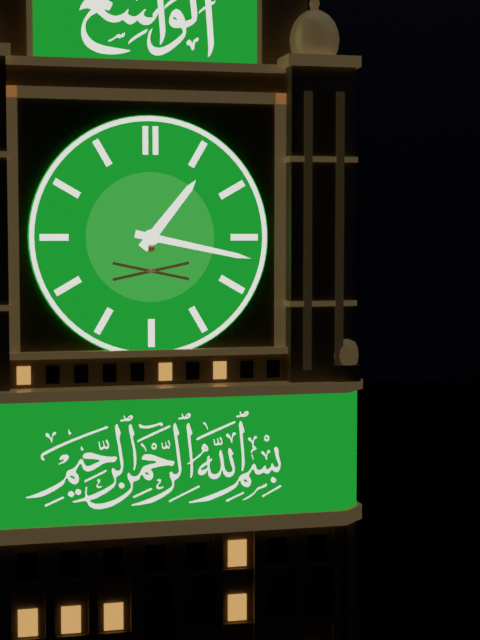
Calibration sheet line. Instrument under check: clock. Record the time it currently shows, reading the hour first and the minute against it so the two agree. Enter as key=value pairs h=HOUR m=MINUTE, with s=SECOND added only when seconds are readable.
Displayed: h=1 m=17
